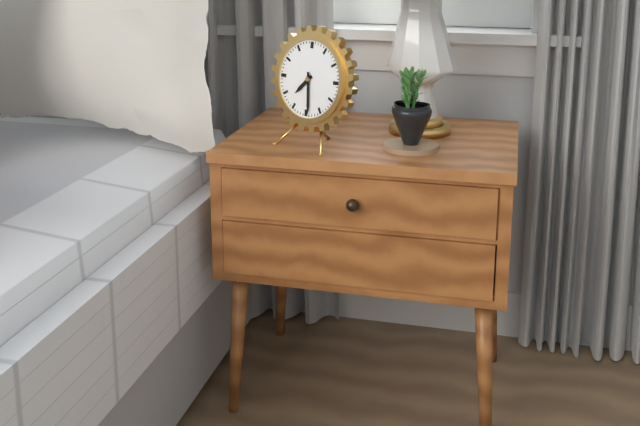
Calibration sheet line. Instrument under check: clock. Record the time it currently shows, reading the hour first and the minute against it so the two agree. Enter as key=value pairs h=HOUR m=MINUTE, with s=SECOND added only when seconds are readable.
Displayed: h=7 m=29
